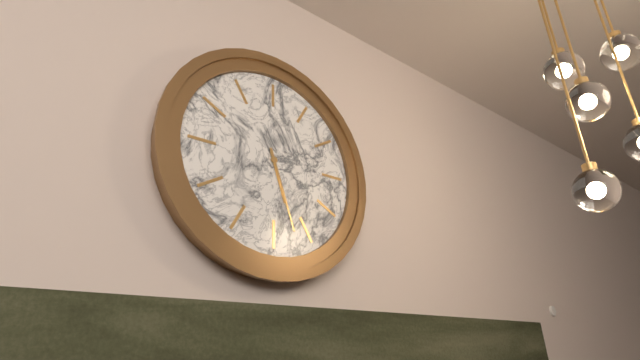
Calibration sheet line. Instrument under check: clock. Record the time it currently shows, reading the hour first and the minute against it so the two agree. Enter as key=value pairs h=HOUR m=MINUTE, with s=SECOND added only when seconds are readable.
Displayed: h=5 m=27
